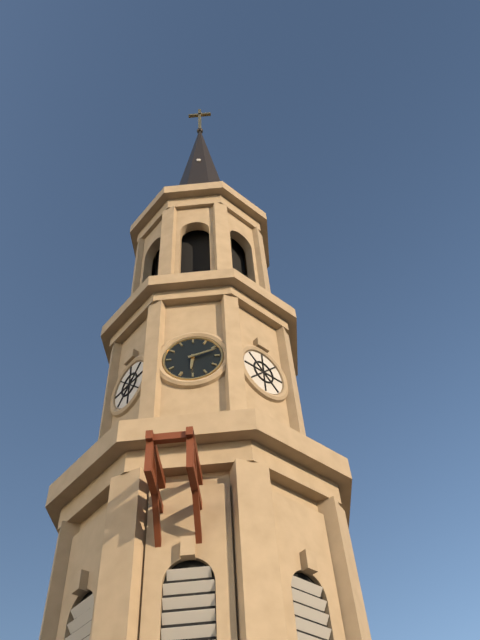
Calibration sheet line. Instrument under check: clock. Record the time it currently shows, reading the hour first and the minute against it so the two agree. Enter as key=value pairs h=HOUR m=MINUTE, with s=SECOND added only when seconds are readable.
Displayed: h=6 m=12
